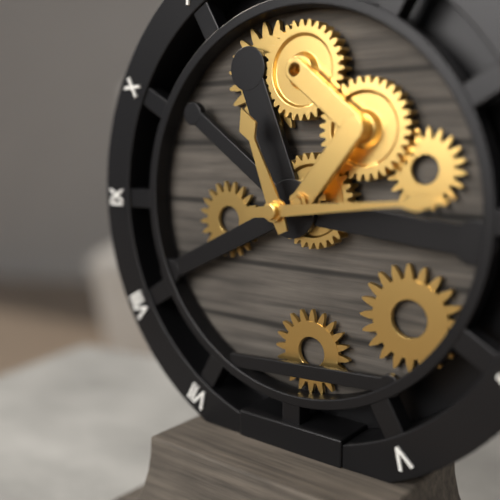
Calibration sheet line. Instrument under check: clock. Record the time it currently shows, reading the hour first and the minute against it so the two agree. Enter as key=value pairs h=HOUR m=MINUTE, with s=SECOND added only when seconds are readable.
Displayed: h=11 m=14
